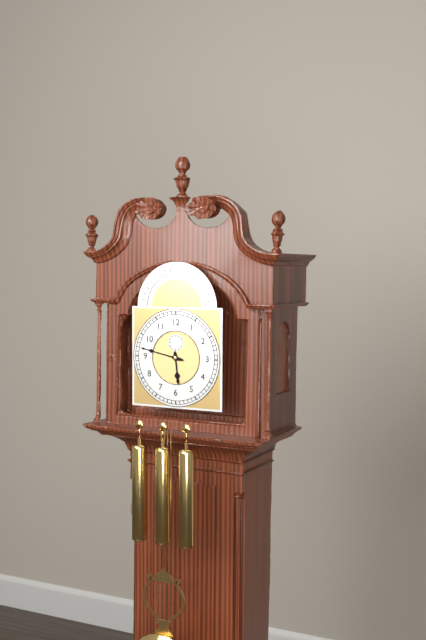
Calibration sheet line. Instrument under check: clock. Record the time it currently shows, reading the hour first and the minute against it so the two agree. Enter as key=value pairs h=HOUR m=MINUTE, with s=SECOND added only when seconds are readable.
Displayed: h=5 m=47
